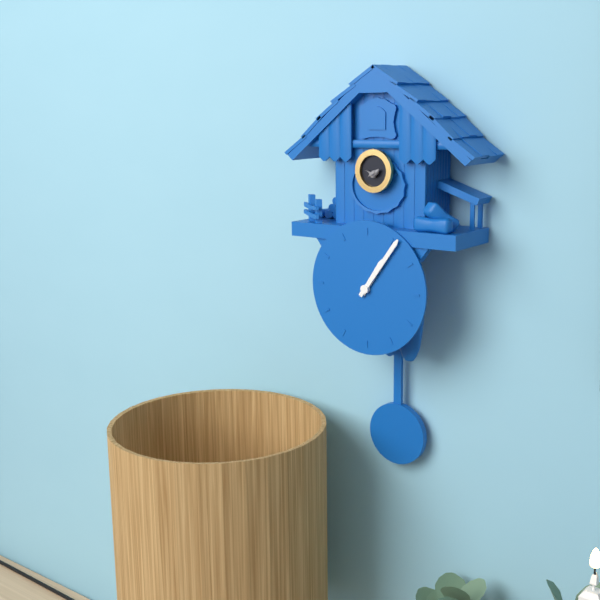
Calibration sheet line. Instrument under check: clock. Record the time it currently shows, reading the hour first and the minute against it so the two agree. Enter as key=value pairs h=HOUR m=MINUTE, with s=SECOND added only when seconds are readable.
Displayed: h=1 m=6
